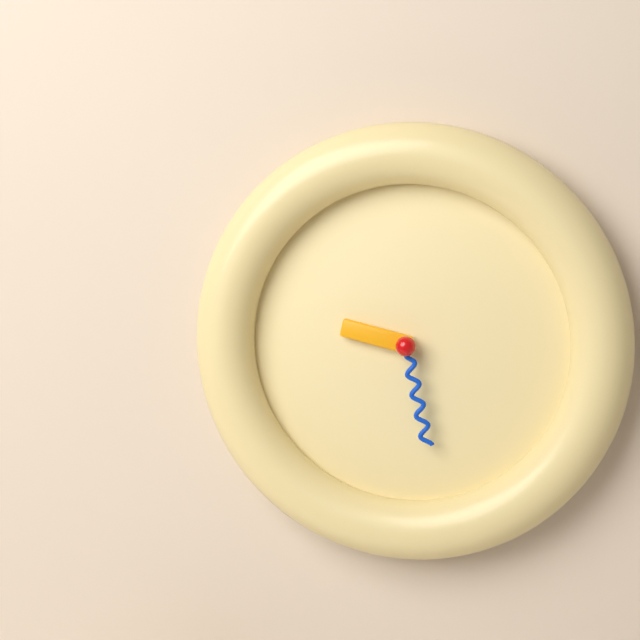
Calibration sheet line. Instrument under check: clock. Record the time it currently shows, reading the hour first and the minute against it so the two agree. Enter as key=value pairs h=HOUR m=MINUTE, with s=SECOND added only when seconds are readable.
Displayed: h=9 m=28
